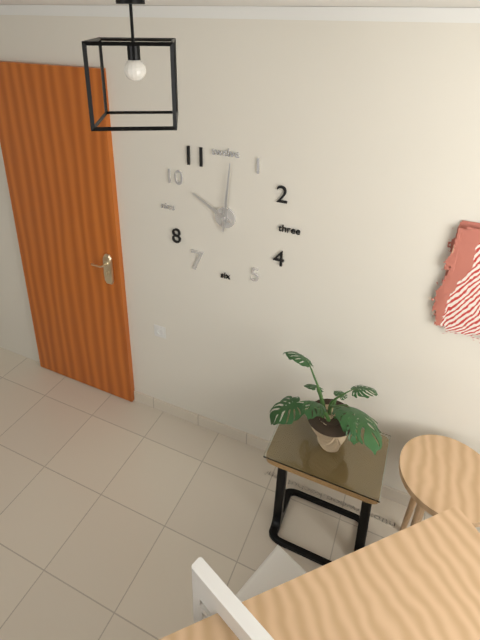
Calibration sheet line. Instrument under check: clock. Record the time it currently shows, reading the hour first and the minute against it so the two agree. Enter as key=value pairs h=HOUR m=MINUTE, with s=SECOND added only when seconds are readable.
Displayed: h=10 m=1
